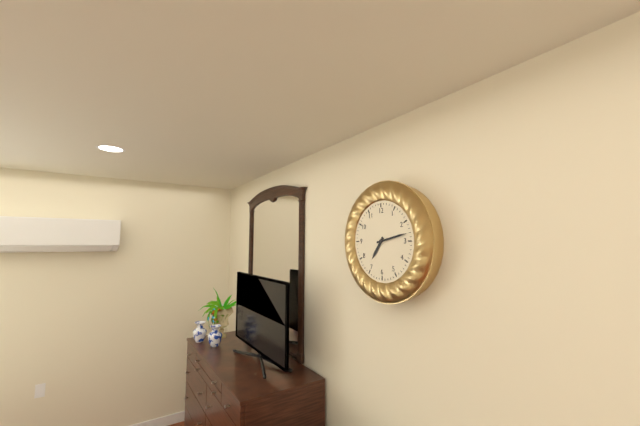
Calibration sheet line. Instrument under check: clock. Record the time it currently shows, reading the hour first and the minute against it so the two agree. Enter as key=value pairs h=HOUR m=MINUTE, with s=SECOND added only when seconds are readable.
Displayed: h=7 m=13
